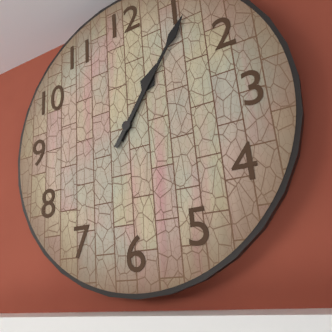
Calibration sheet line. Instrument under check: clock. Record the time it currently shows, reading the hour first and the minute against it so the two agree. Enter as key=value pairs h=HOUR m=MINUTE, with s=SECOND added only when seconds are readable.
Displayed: h=1 m=6
